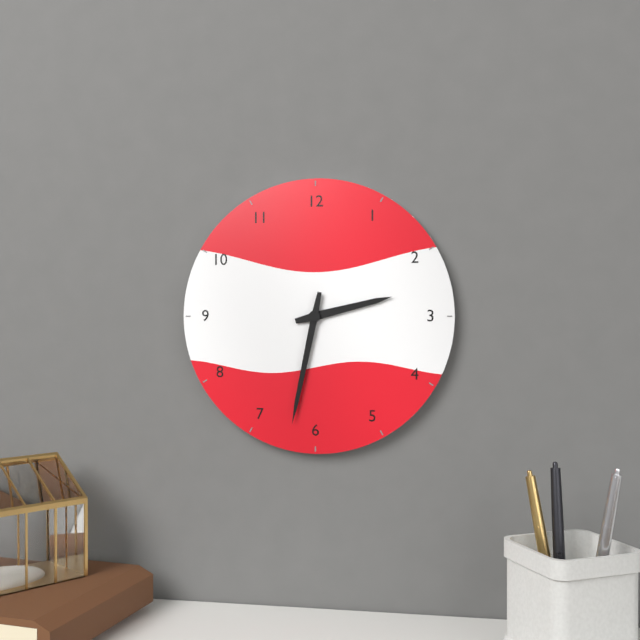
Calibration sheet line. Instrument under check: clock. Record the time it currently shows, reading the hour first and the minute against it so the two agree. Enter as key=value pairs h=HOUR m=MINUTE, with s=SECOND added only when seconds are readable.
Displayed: h=2 m=32
